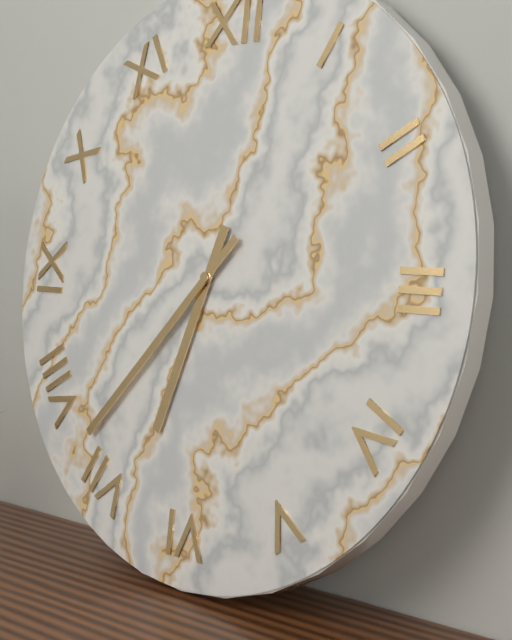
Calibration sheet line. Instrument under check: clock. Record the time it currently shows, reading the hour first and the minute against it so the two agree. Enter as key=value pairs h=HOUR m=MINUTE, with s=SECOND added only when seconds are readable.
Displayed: h=6 m=37
